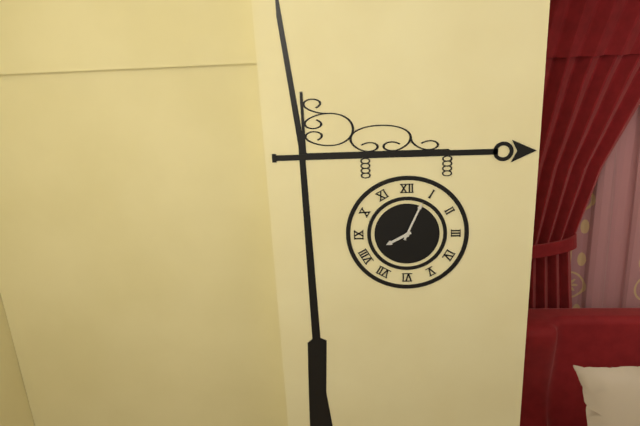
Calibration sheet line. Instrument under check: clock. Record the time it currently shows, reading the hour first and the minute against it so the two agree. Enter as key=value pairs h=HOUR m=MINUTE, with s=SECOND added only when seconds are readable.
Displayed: h=8 m=4
